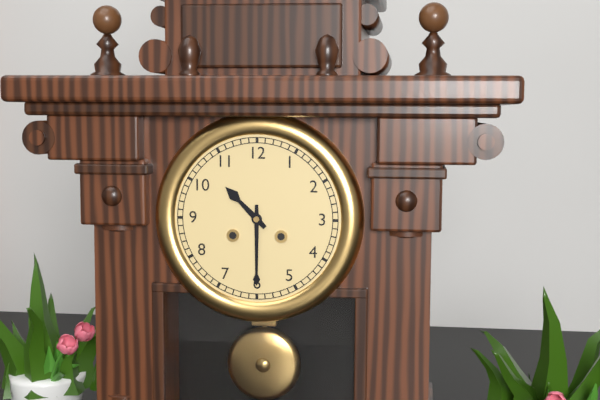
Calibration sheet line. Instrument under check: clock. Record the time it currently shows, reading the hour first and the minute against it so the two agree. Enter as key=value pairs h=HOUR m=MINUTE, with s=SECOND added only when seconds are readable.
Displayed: h=10 m=30
